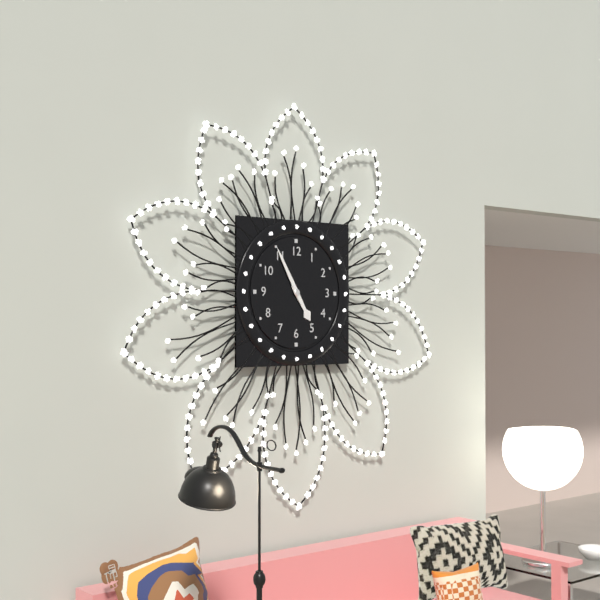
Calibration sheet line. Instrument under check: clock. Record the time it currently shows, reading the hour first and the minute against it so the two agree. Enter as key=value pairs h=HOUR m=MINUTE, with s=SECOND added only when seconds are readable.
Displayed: h=4 m=55
